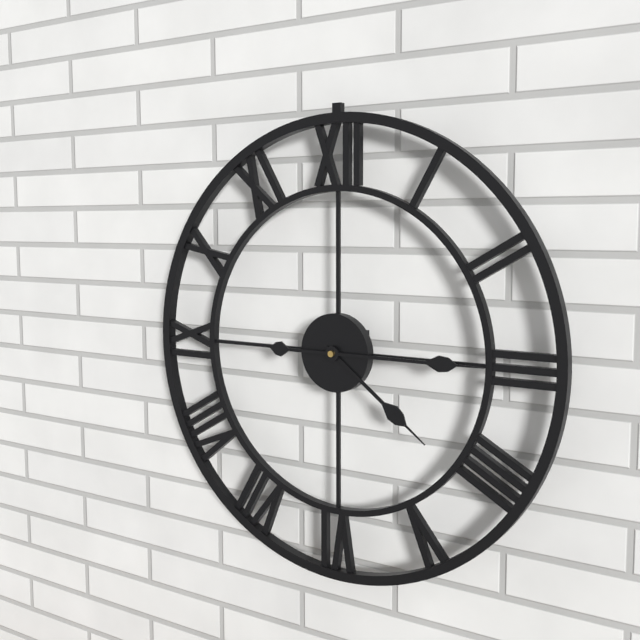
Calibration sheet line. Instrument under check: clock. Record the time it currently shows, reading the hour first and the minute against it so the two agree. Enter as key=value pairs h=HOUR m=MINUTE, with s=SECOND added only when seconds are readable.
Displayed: h=4 m=15
